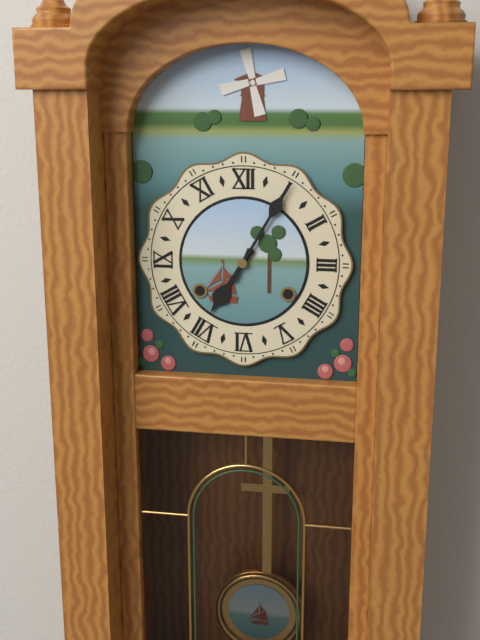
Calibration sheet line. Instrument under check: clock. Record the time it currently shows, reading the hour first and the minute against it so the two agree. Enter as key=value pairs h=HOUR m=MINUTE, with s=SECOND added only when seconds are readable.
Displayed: h=7 m=5
